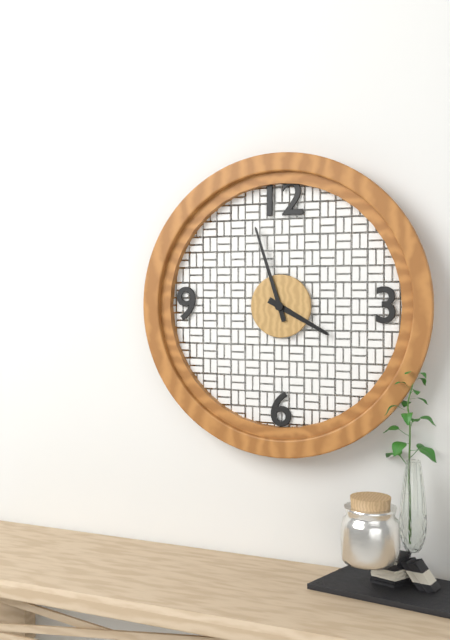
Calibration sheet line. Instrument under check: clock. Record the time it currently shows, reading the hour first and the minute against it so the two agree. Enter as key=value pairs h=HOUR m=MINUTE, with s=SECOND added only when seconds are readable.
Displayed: h=3 m=57
